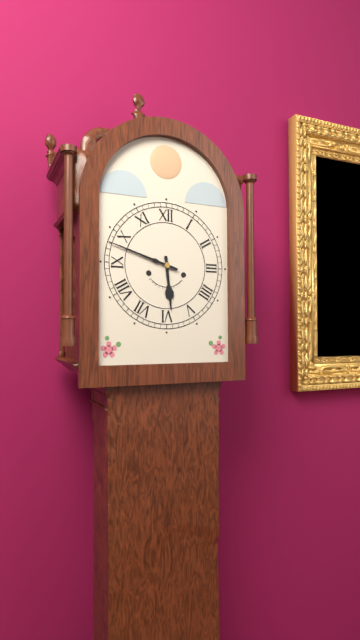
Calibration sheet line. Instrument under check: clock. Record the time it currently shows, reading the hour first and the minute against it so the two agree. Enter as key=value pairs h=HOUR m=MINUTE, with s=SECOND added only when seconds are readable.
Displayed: h=5 m=48
